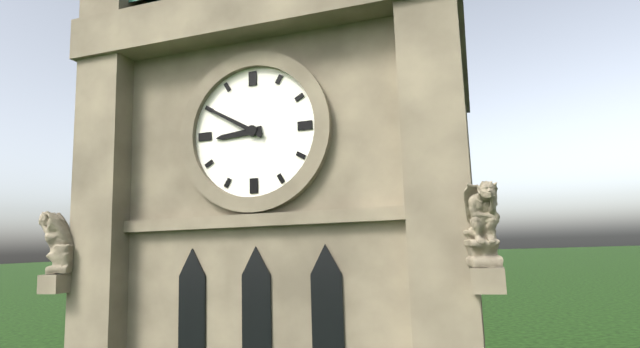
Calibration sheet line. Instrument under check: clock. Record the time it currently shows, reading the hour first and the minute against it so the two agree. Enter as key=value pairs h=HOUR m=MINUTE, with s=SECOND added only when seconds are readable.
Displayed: h=8 m=50
